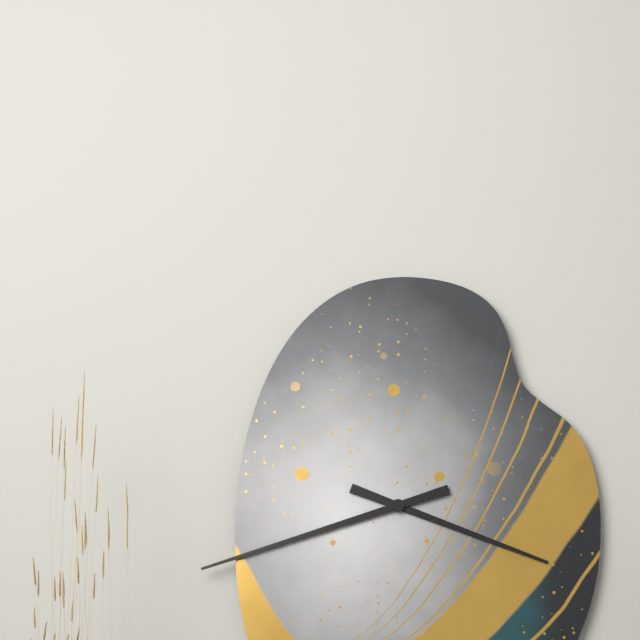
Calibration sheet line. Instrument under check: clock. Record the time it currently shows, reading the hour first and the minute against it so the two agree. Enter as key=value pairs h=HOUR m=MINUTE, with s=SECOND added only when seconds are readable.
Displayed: h=3 m=42
